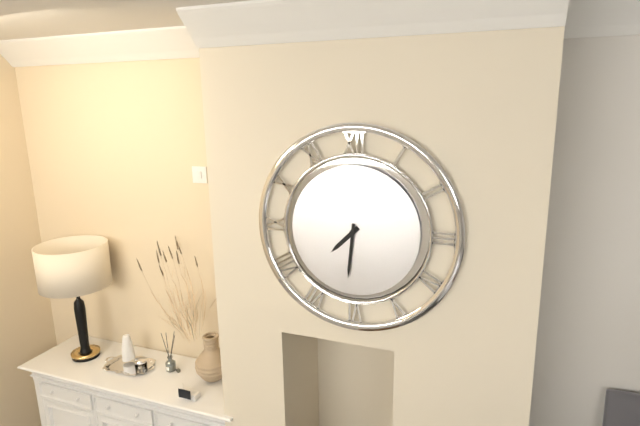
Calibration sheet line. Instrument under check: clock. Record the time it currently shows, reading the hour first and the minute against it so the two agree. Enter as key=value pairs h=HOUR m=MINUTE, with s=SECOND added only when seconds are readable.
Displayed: h=7 m=31
